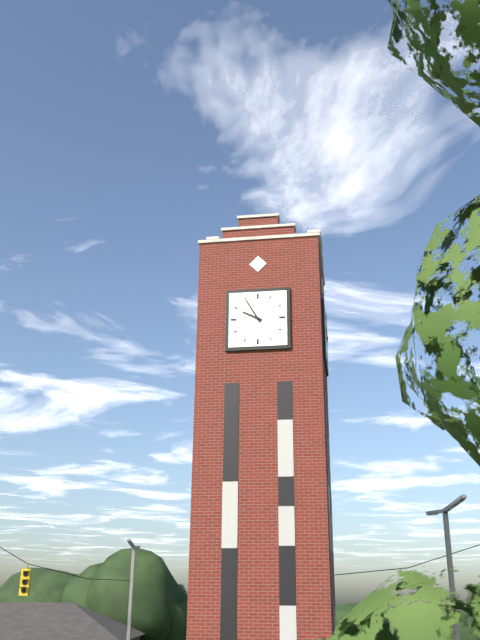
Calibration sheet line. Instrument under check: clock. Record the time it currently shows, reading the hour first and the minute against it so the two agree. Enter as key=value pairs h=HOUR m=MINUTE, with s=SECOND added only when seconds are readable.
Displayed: h=9 m=55
